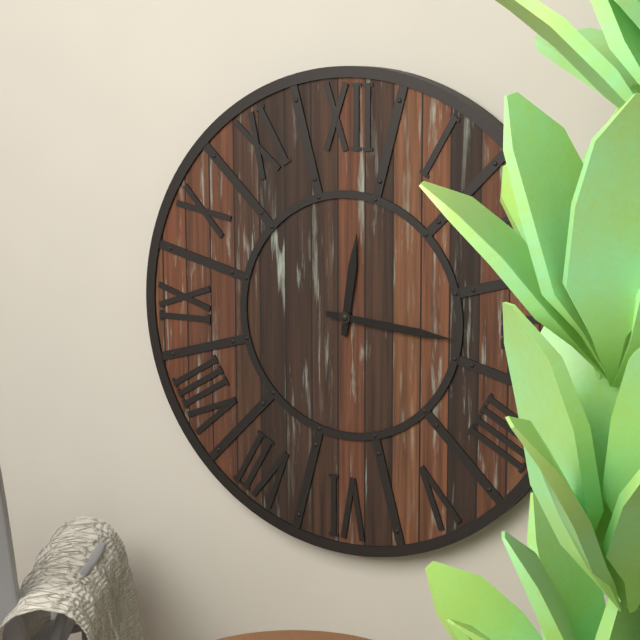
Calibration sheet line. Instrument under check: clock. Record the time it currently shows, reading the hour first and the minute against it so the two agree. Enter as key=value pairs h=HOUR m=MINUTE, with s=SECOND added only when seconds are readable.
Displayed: h=12 m=16
